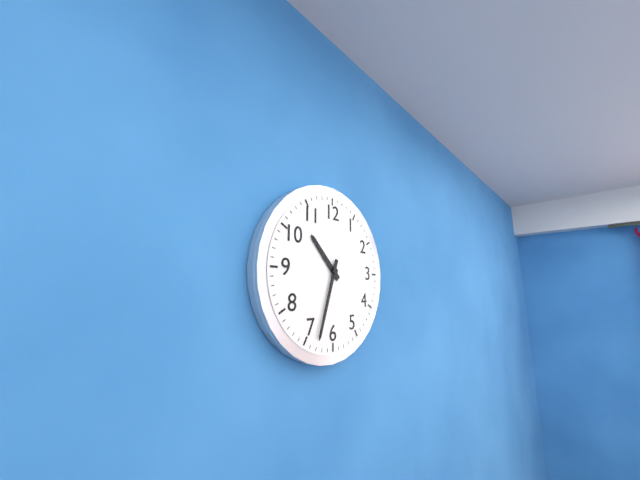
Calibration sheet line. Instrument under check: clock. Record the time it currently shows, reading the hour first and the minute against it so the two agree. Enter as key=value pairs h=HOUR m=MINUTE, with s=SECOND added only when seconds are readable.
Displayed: h=10 m=33
